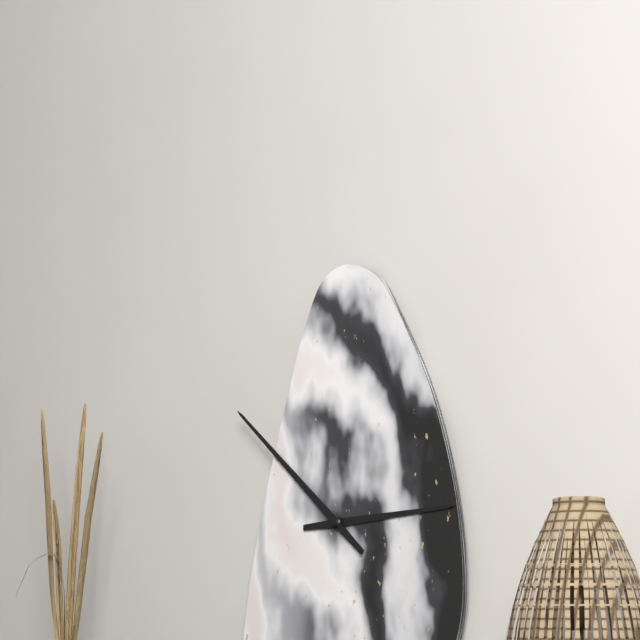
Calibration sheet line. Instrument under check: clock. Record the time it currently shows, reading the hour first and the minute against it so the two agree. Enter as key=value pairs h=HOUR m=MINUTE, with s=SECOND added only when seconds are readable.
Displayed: h=2 m=52
